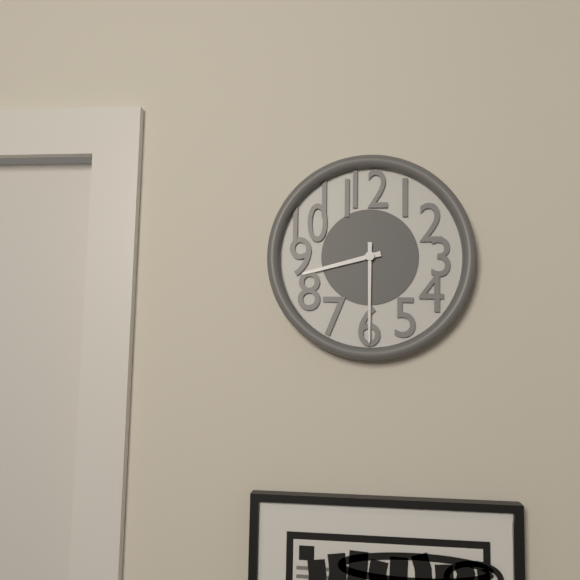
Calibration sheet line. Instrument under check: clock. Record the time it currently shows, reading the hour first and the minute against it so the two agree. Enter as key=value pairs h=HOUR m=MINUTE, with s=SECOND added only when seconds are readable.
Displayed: h=8 m=30
